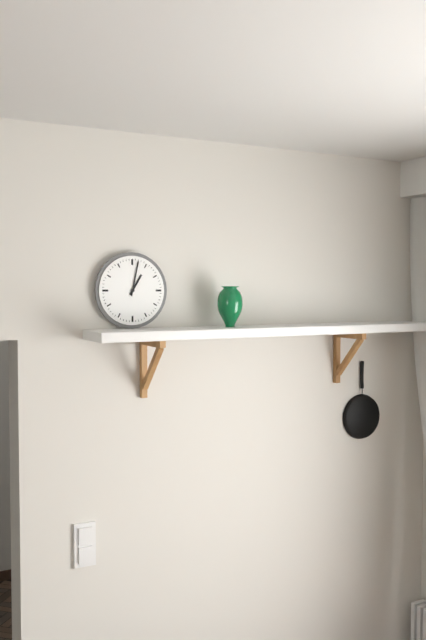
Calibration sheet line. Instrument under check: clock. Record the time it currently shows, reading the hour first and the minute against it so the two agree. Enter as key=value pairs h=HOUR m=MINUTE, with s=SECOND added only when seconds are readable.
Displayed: h=1 m=2
